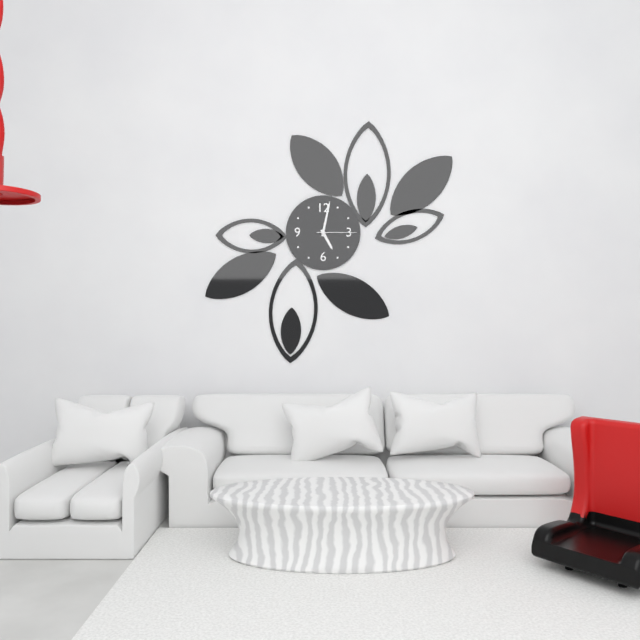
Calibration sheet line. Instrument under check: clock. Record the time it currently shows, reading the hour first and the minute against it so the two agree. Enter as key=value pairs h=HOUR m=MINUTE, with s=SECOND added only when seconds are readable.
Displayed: h=5 m=2
